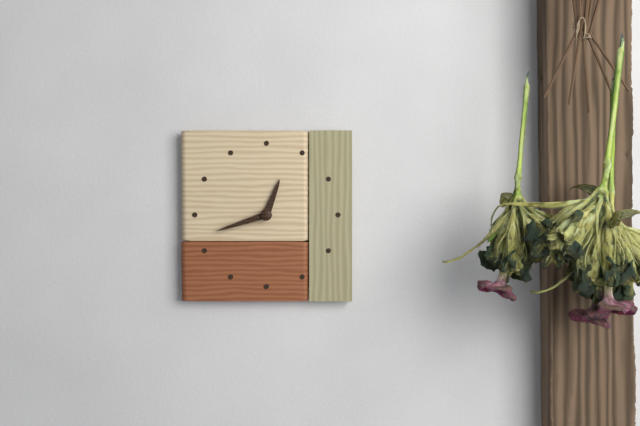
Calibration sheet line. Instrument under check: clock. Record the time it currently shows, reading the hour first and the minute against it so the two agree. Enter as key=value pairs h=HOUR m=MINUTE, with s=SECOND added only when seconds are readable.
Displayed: h=12 m=42
